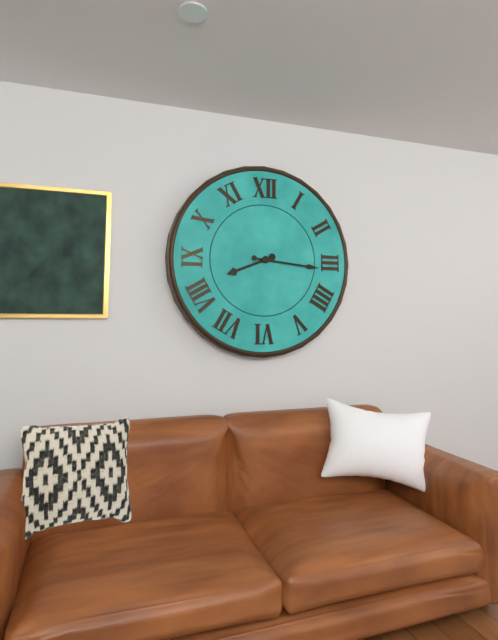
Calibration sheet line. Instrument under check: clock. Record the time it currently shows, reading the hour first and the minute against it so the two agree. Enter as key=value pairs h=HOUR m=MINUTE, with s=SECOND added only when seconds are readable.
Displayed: h=8 m=16
